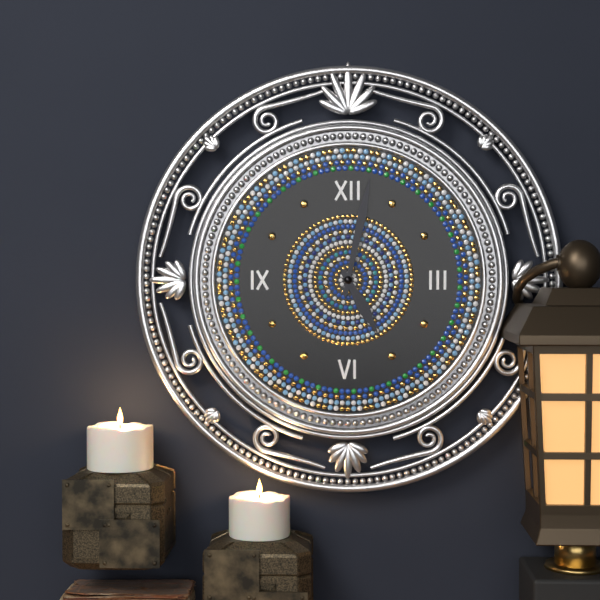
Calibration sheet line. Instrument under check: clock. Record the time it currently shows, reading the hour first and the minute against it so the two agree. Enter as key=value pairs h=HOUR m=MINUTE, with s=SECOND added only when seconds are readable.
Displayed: h=5 m=2
